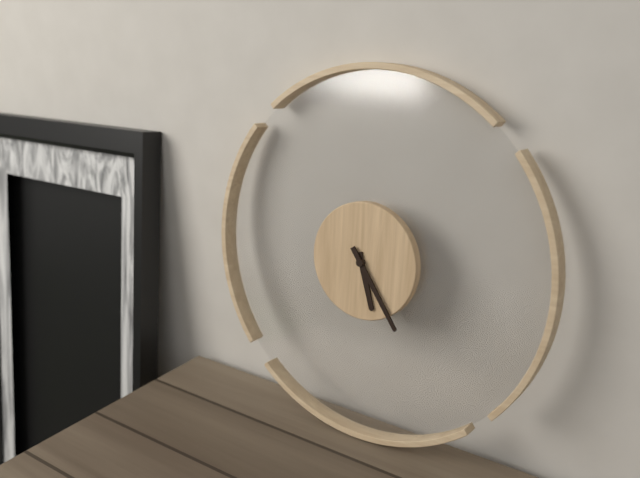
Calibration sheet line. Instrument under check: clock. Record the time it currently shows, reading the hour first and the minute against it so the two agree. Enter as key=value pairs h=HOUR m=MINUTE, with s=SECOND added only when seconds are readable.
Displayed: h=5 m=24
